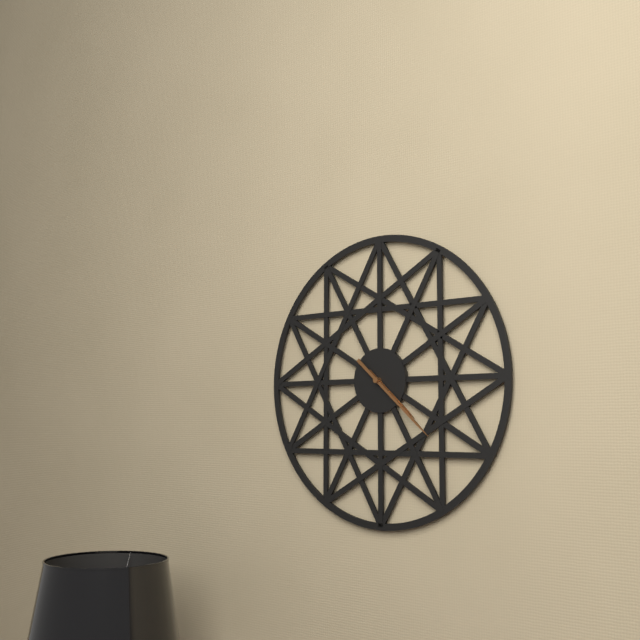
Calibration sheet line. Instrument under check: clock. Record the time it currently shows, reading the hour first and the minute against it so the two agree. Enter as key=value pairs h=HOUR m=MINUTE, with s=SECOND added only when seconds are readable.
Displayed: h=4 m=22
